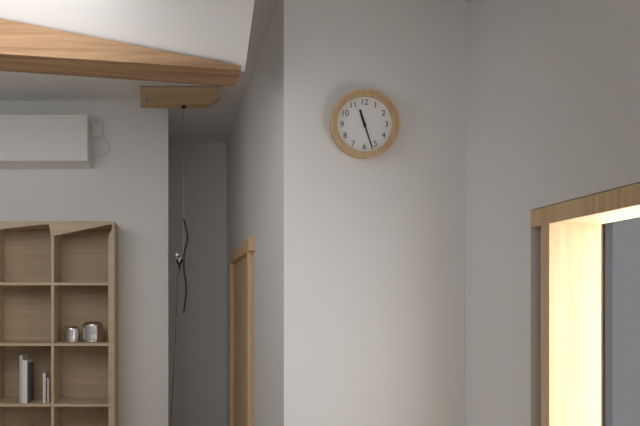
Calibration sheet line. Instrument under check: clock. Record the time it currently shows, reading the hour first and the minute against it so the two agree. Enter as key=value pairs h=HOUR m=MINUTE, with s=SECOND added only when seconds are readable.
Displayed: h=11 m=27
